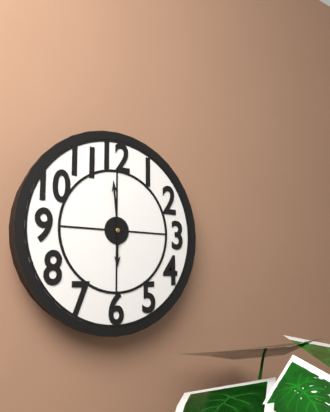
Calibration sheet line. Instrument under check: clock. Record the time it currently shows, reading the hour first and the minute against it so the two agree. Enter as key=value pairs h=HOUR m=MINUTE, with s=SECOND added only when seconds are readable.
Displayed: h=5 m=59
